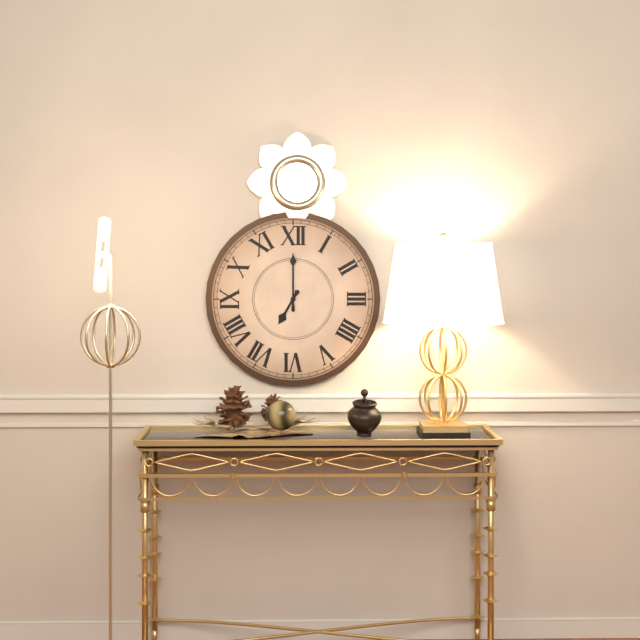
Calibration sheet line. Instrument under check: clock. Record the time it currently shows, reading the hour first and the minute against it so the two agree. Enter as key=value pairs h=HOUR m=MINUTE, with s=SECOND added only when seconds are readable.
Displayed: h=7 m=0
